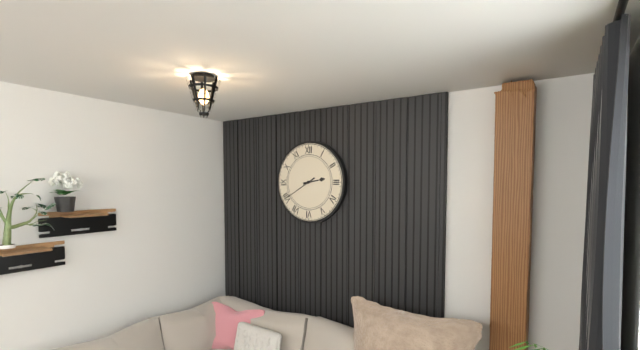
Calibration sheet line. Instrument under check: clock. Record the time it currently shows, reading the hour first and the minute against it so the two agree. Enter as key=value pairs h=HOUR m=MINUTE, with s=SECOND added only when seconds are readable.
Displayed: h=2 m=40
